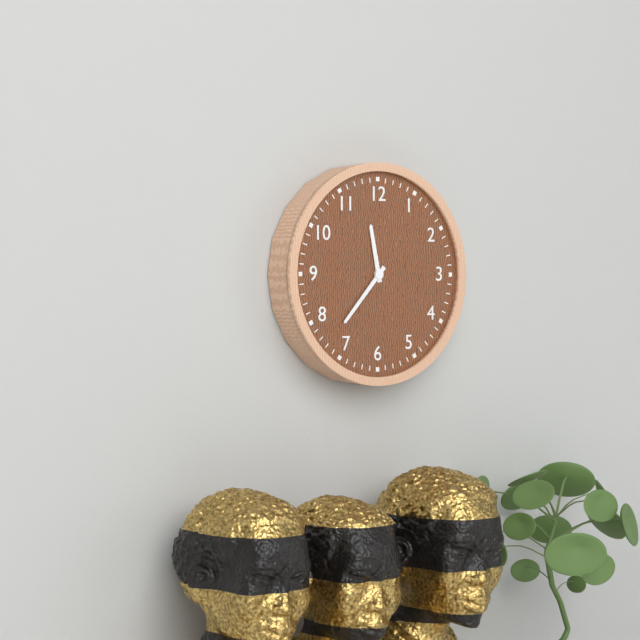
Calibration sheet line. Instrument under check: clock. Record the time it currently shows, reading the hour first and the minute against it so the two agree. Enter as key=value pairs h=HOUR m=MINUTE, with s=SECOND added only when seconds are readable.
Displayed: h=11 m=37
